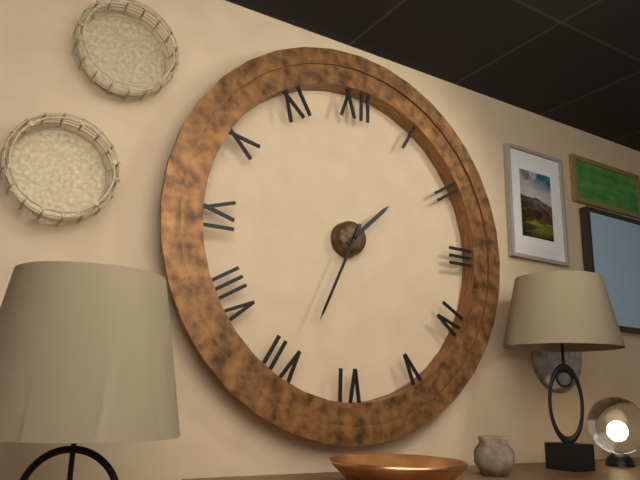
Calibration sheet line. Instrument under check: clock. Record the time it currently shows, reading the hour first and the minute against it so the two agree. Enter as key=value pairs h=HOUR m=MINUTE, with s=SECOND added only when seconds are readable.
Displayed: h=1 m=34
